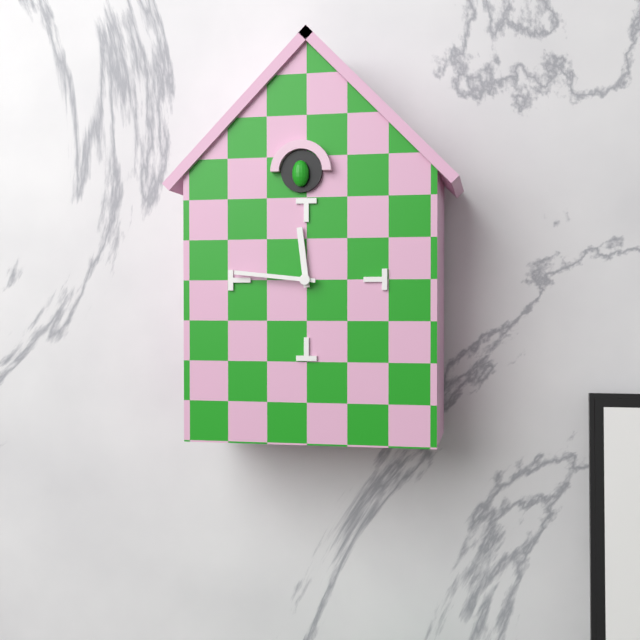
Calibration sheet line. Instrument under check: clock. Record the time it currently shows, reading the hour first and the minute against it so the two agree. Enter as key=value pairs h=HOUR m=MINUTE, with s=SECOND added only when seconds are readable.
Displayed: h=11 m=46
